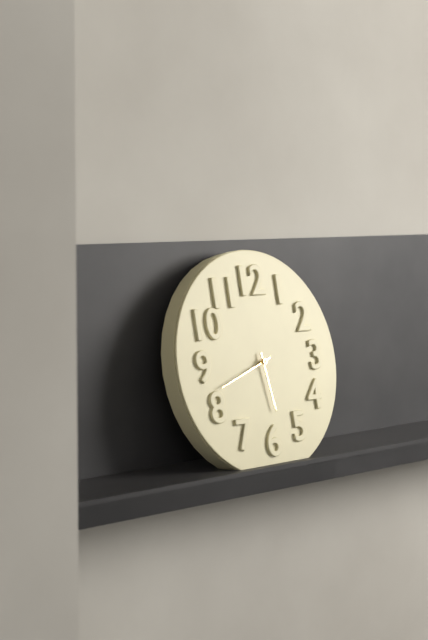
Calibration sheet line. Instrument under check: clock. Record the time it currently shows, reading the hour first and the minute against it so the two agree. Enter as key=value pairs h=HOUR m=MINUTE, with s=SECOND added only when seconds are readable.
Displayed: h=5 m=42
